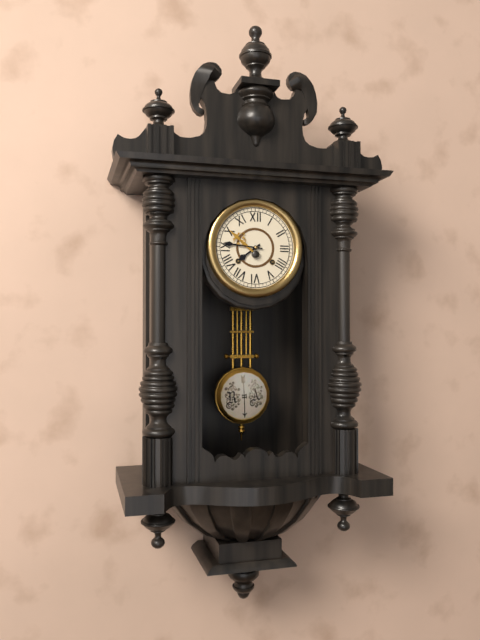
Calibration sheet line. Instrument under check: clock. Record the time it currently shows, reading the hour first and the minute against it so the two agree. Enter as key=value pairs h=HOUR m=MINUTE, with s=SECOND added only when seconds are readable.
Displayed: h=7 m=46
